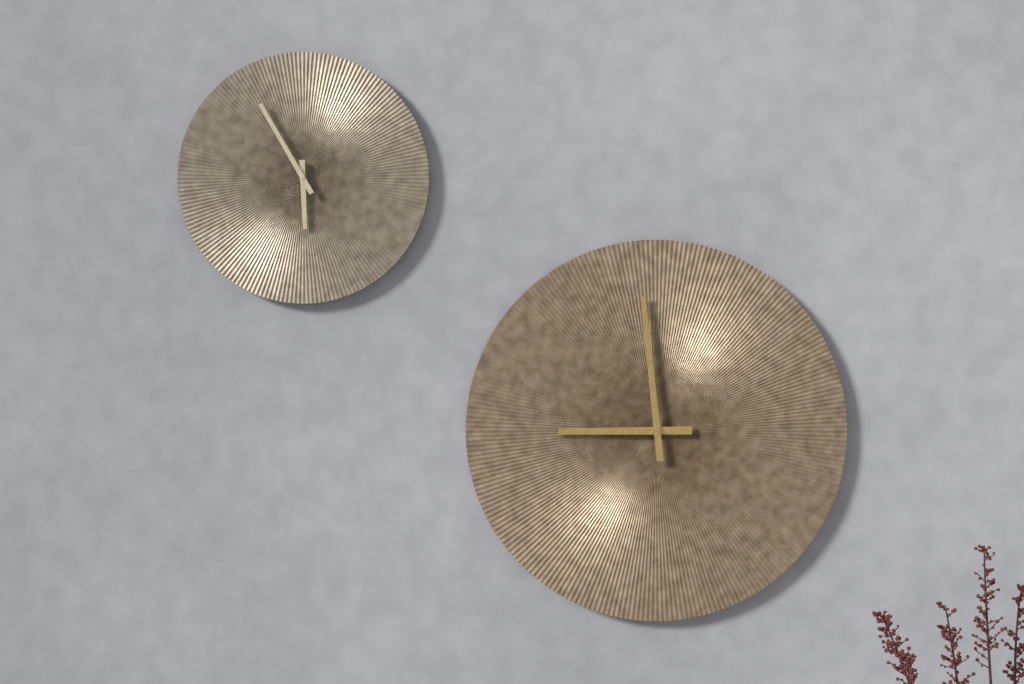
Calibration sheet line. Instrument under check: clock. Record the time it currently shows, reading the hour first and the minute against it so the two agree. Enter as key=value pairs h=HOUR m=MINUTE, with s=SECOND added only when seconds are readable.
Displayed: h=8 m=59
